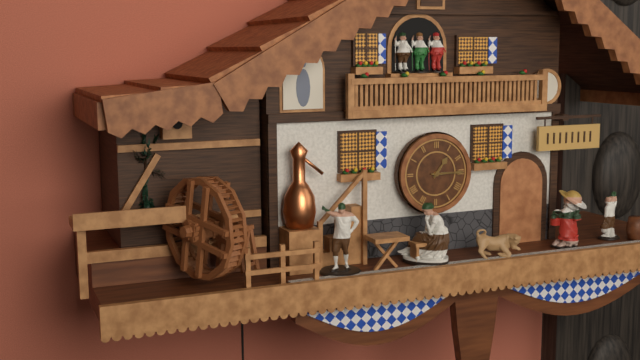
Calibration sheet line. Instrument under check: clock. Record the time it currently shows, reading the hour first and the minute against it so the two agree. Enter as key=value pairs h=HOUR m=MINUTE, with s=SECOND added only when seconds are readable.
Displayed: h=1 m=15
